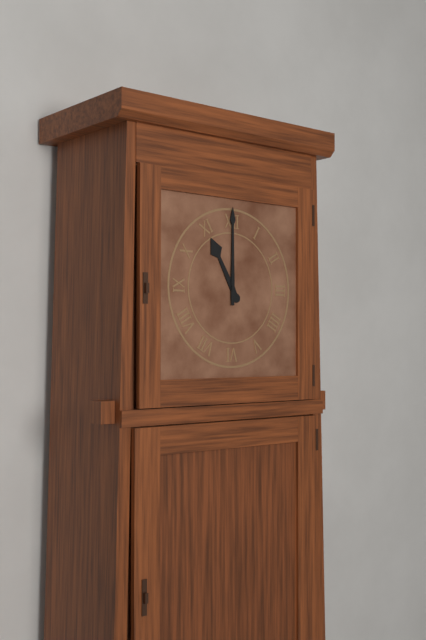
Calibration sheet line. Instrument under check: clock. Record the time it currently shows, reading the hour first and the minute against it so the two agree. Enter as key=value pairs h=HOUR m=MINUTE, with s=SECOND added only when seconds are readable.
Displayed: h=11 m=0
